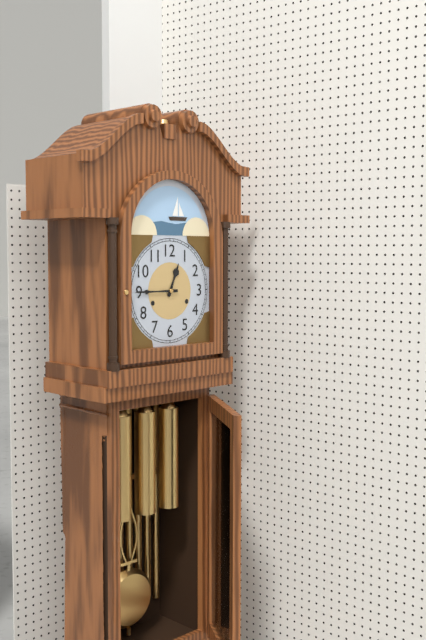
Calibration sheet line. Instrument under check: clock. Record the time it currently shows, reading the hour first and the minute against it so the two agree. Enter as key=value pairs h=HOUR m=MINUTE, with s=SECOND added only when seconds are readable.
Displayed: h=12 m=45
